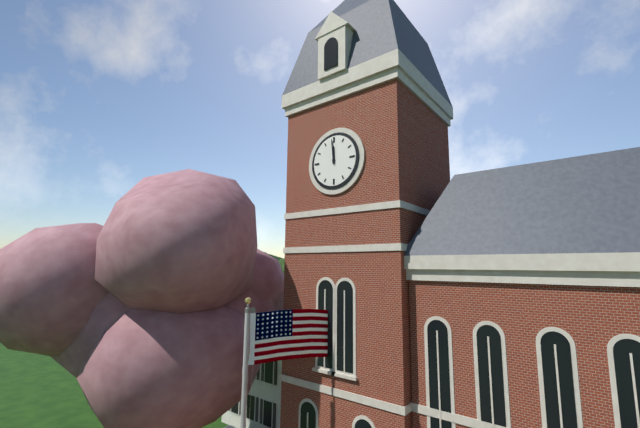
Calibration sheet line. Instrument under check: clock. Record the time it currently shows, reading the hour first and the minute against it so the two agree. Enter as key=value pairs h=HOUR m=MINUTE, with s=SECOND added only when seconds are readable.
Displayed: h=11 m=59
